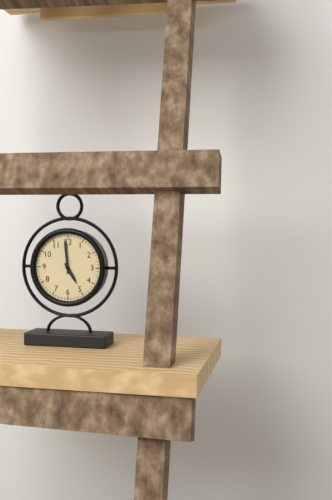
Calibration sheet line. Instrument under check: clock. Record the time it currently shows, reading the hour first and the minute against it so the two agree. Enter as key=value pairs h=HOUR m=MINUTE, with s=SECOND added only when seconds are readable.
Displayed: h=4 m=59
